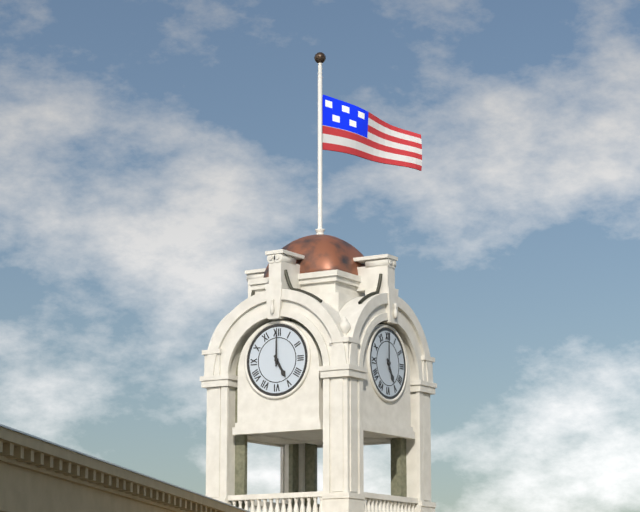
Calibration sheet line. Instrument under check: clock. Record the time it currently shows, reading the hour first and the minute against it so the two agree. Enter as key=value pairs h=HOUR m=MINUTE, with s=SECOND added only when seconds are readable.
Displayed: h=5 m=0
